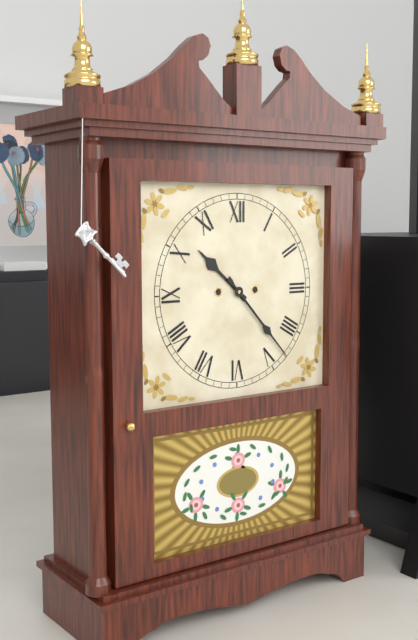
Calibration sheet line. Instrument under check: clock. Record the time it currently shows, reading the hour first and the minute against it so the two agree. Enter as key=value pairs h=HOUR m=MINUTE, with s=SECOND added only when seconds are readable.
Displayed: h=10 m=23
